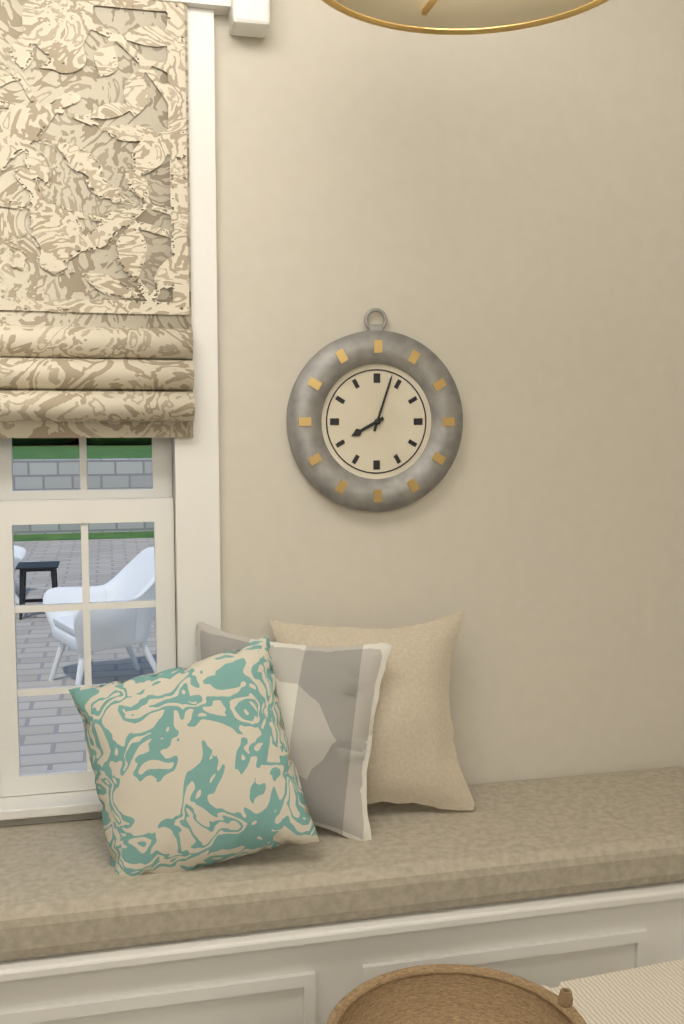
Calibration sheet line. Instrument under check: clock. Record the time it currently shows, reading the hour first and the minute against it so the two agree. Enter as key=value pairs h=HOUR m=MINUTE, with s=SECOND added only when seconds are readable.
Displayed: h=8 m=3
